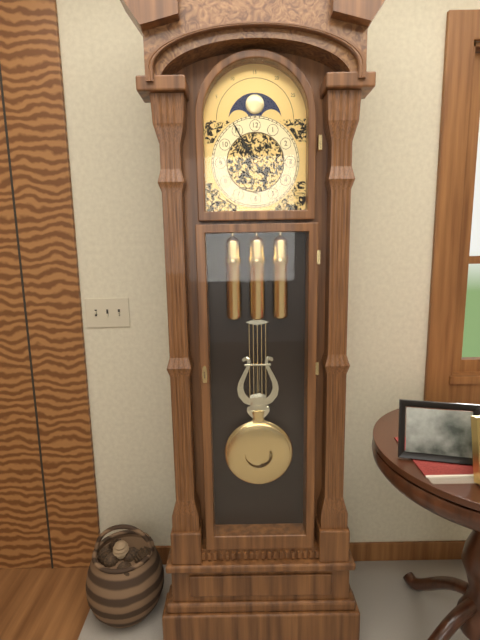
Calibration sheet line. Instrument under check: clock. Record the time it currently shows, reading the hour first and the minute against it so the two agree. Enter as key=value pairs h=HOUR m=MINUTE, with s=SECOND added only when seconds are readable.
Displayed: h=10 m=55
